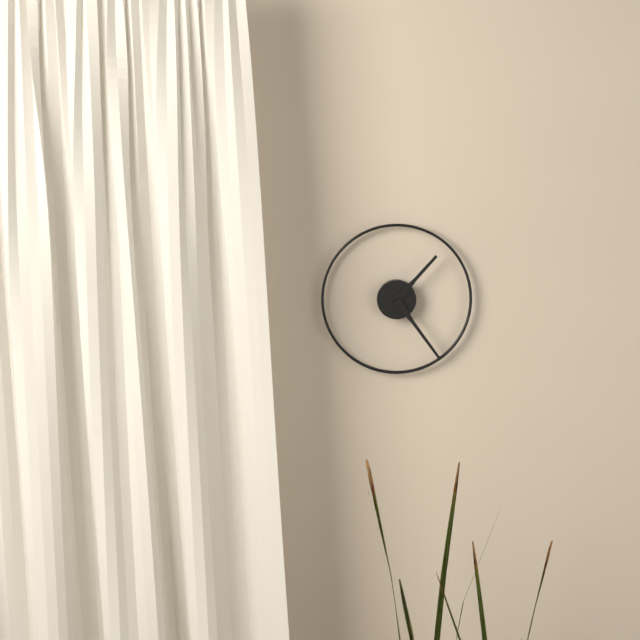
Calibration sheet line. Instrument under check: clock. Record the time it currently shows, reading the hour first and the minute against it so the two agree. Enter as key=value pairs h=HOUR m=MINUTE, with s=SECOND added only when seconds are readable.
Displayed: h=1 m=24
